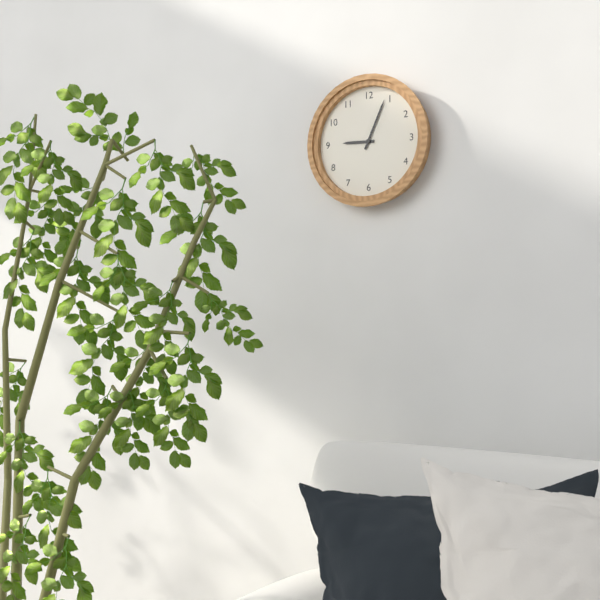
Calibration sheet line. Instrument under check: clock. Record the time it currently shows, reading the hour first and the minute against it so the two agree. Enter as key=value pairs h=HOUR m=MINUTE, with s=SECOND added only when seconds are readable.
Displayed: h=9 m=4
